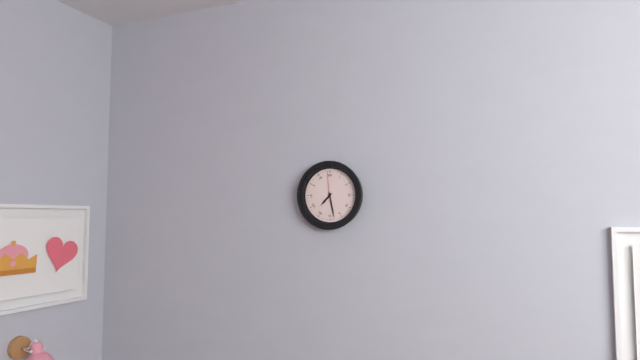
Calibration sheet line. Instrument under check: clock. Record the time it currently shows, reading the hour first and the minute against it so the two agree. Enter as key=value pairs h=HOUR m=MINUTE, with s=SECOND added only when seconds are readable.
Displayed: h=7 m=28
